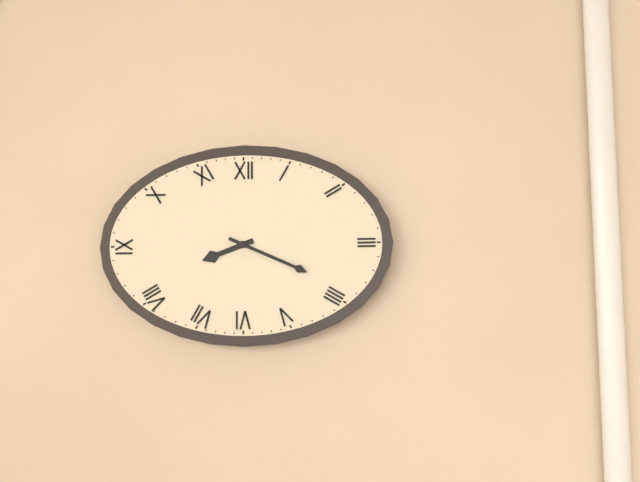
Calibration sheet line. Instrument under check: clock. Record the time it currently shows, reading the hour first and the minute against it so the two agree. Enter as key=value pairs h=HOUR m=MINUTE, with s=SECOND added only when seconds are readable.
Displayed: h=8 m=19
